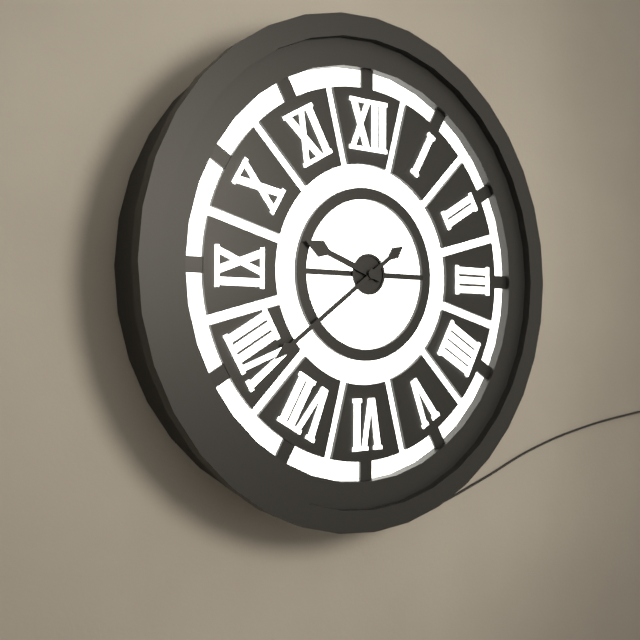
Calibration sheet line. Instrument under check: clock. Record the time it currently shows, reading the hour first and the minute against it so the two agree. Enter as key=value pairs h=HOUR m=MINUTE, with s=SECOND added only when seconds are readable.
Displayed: h=9 m=39
